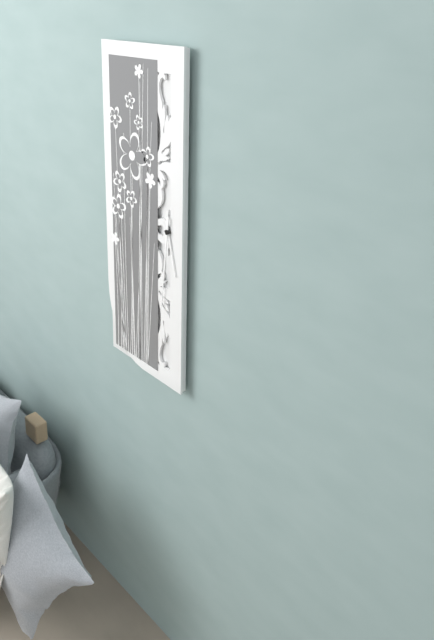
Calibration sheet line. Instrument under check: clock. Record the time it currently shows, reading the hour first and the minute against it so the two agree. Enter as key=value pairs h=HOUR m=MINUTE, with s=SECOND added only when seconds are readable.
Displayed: h=5 m=31
